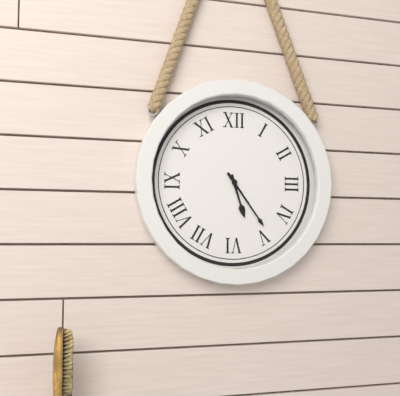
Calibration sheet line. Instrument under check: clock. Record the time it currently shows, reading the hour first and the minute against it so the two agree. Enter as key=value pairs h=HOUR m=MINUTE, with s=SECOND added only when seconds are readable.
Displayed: h=5 m=24
